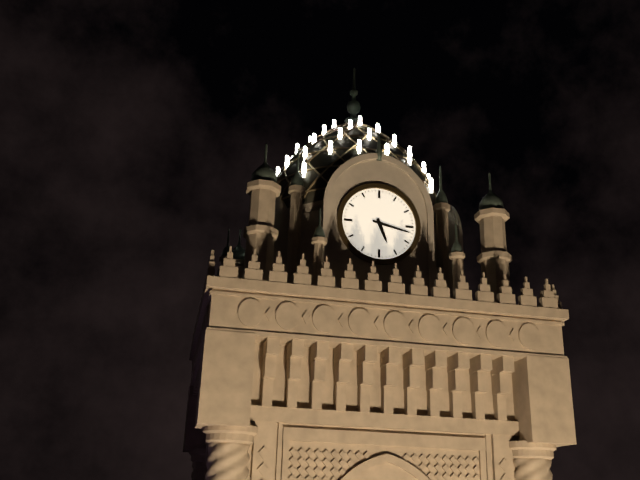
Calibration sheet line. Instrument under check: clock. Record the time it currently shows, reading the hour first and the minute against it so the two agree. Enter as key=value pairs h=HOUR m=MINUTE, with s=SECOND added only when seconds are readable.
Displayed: h=5 m=17
